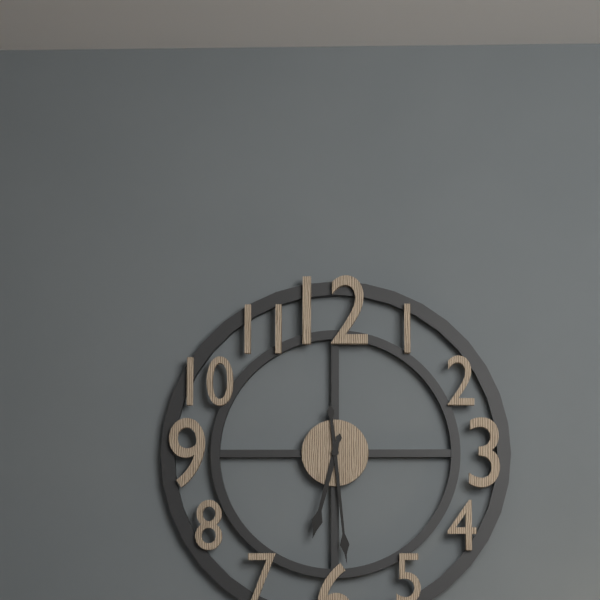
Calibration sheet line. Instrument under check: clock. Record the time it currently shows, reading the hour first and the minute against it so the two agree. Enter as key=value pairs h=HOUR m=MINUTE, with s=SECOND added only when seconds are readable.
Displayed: h=6 m=29
